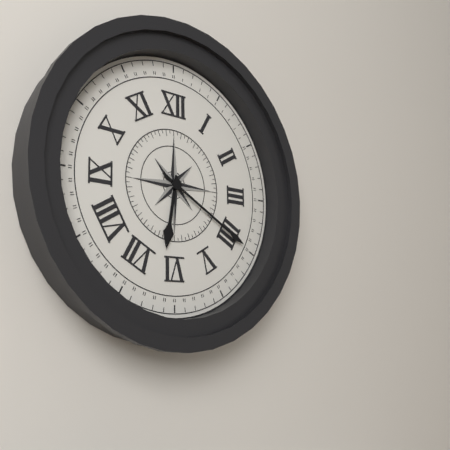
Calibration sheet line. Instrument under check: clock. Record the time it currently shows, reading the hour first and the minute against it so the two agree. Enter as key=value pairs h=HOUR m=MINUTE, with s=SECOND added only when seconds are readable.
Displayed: h=6 m=20
